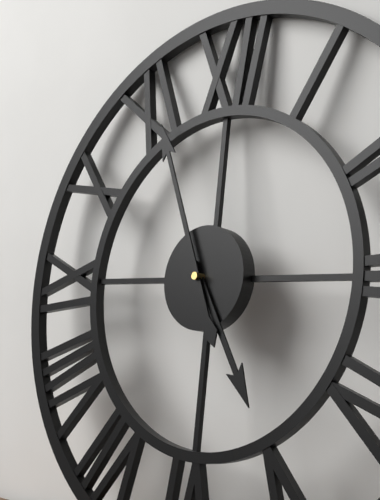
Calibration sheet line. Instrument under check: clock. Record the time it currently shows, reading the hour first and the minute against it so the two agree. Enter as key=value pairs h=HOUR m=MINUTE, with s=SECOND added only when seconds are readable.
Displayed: h=4 m=56
